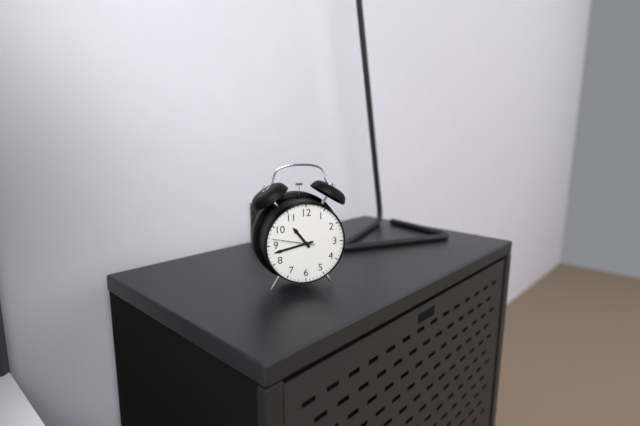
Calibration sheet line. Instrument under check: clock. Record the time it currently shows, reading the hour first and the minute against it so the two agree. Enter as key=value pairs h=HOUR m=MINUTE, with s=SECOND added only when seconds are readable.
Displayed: h=10 m=43
